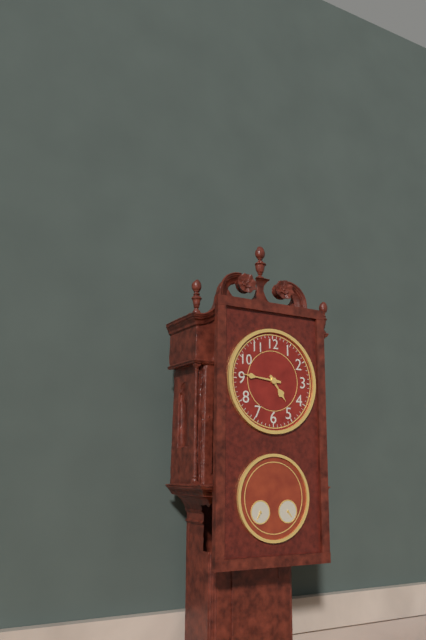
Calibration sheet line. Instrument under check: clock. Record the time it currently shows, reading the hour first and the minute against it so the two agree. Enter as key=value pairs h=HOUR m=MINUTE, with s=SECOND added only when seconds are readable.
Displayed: h=4 m=46
